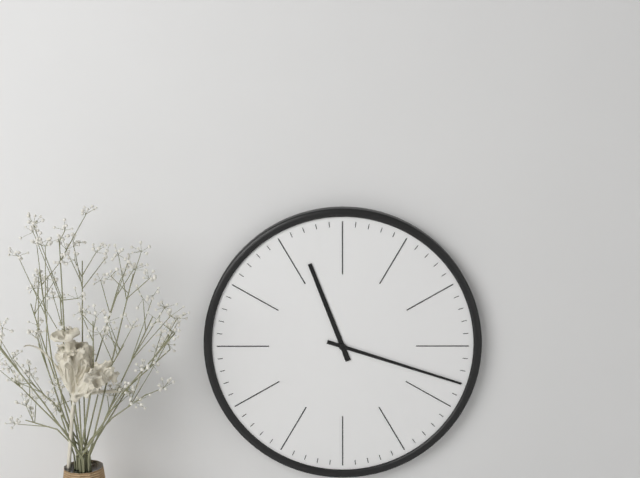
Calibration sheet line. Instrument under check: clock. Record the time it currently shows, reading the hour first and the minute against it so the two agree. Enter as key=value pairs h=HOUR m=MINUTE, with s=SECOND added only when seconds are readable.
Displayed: h=11 m=18
